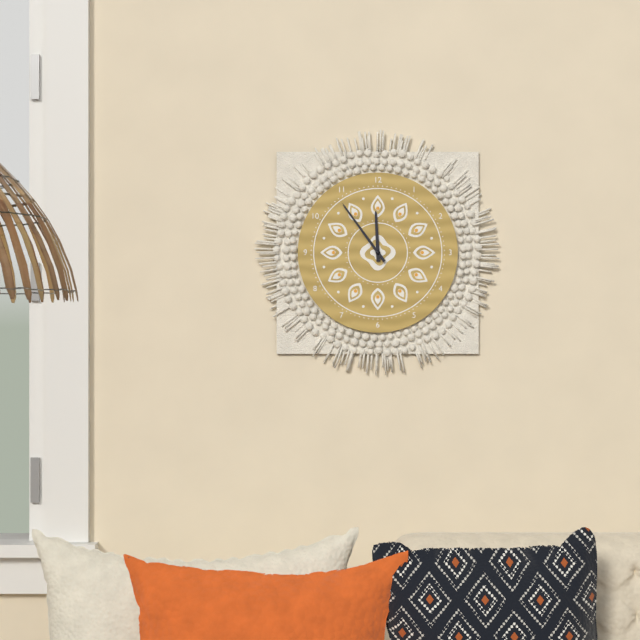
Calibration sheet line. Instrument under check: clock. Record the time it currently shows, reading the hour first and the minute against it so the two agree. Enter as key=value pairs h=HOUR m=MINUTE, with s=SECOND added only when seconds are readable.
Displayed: h=11 m=54
